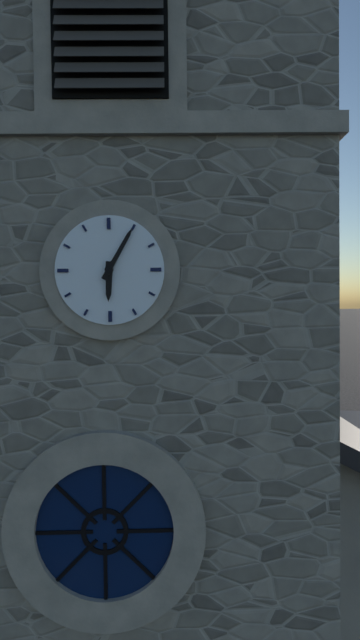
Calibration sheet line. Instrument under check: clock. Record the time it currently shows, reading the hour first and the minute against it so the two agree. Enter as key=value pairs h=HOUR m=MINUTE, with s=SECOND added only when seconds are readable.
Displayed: h=6 m=5
